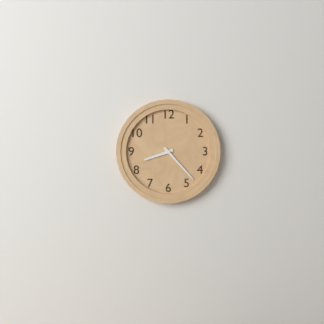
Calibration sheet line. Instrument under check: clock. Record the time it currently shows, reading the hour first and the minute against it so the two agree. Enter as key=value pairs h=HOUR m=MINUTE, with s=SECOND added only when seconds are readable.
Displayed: h=8 m=23
